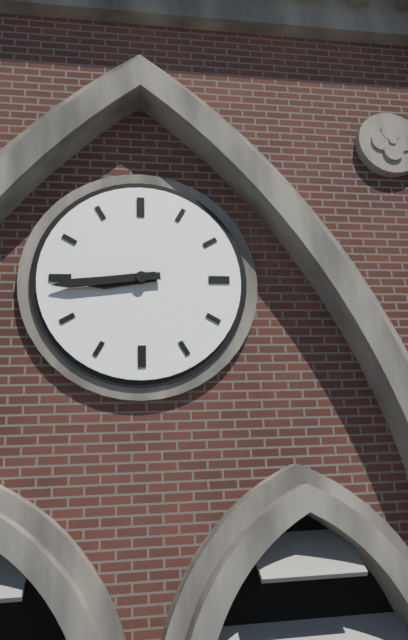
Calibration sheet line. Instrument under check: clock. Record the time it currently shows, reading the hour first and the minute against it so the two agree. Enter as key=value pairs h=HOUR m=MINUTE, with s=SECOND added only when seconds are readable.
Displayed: h=8 m=44
